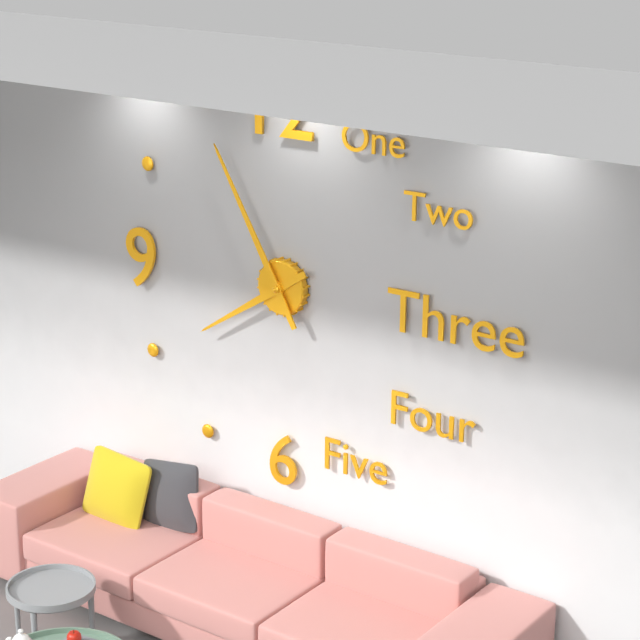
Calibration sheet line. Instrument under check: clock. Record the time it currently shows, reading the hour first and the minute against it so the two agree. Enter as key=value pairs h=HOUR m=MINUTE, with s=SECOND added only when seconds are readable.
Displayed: h=7 m=55
